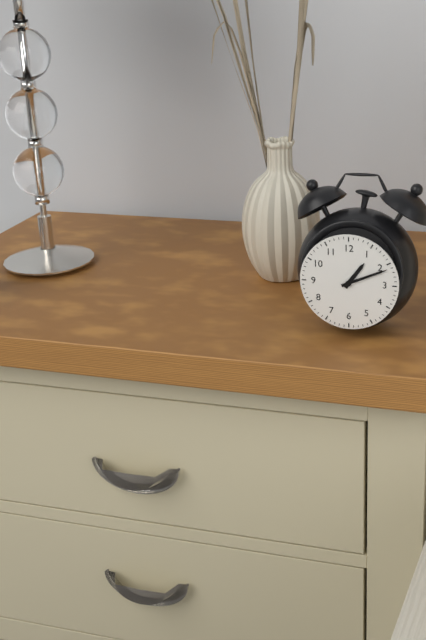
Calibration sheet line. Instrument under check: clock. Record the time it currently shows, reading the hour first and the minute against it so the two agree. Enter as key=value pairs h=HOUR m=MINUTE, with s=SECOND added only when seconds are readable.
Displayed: h=1 m=11
